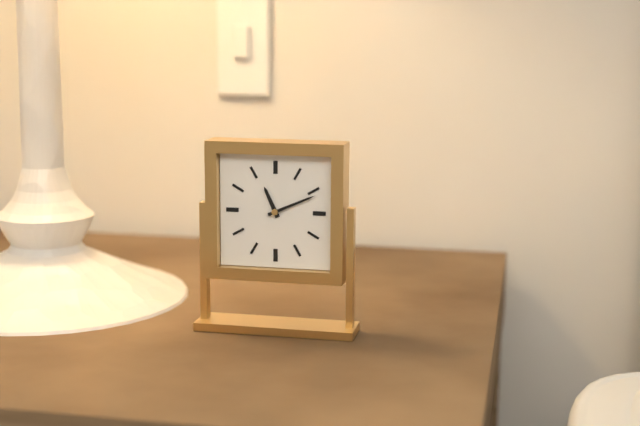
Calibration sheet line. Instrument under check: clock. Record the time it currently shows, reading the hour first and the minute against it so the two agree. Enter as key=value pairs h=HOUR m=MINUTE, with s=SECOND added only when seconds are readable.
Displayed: h=11 m=11
